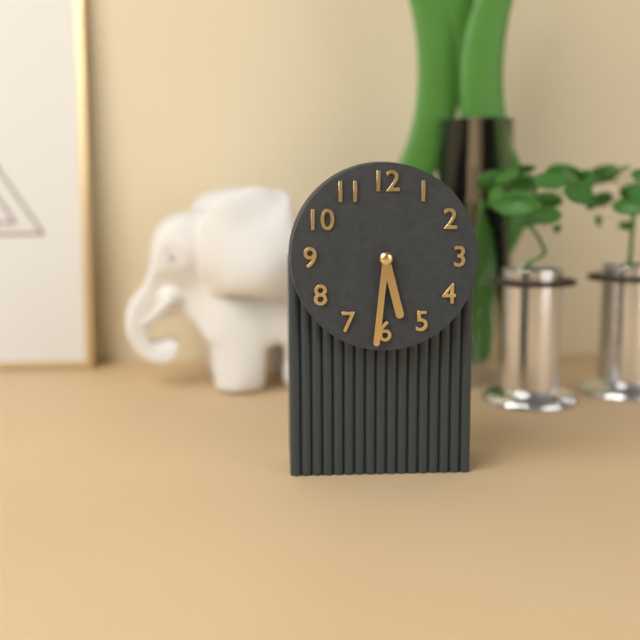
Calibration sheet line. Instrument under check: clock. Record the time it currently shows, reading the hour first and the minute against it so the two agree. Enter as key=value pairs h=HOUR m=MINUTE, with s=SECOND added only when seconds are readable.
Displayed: h=5 m=31
